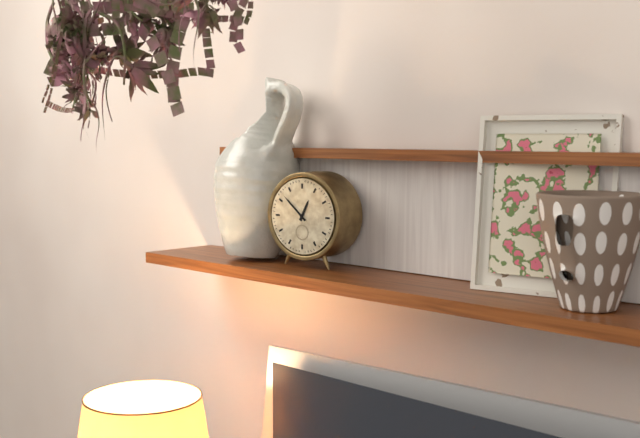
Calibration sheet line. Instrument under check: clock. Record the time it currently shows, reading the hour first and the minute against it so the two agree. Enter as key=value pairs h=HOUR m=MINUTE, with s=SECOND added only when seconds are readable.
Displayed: h=12 m=52
